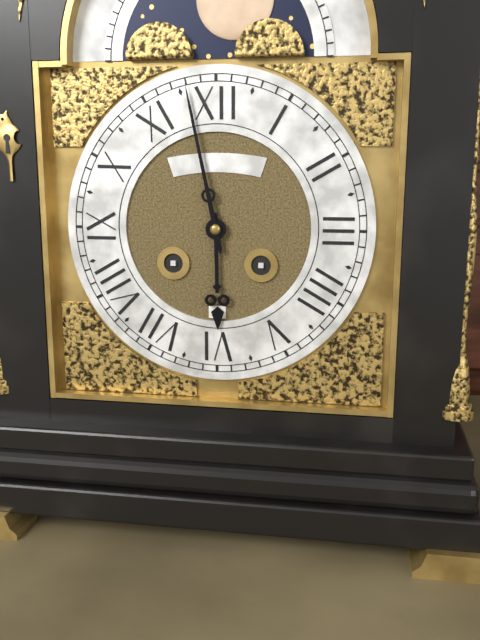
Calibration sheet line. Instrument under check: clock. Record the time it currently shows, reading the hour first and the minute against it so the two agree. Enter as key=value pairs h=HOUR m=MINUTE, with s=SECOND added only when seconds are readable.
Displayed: h=5 m=58
